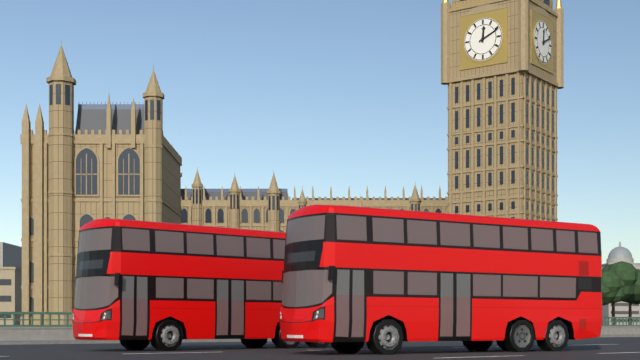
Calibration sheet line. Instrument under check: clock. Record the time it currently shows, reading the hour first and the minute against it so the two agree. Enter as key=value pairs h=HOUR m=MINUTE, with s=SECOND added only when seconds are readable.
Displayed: h=12 m=11
